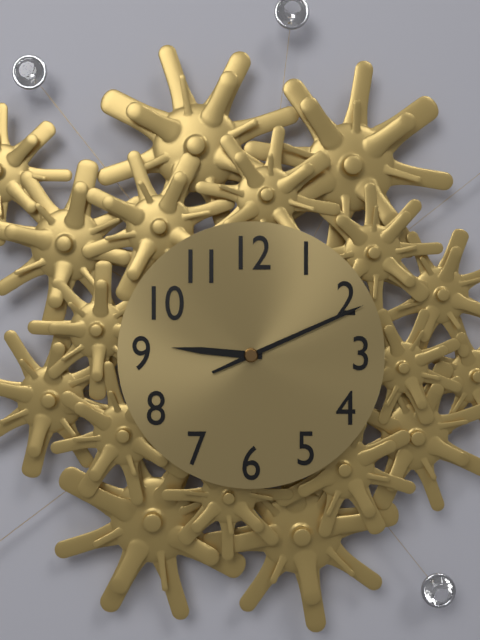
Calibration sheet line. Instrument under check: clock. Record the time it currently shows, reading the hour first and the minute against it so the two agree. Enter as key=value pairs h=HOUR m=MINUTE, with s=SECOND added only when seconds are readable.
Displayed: h=9 m=11
